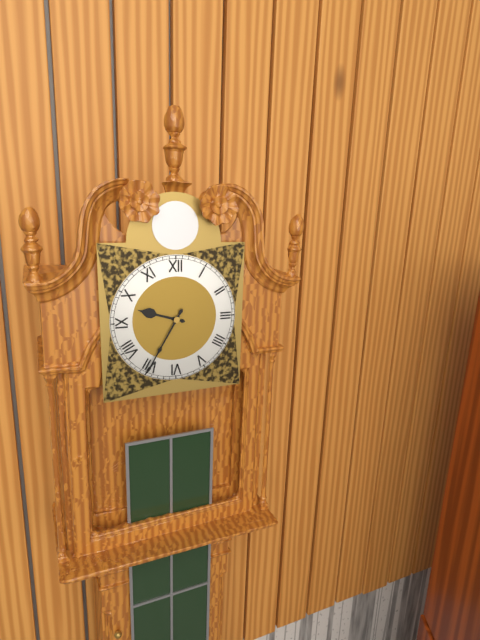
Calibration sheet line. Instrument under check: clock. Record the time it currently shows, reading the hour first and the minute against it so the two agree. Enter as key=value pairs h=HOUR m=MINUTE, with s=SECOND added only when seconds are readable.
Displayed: h=9 m=35
